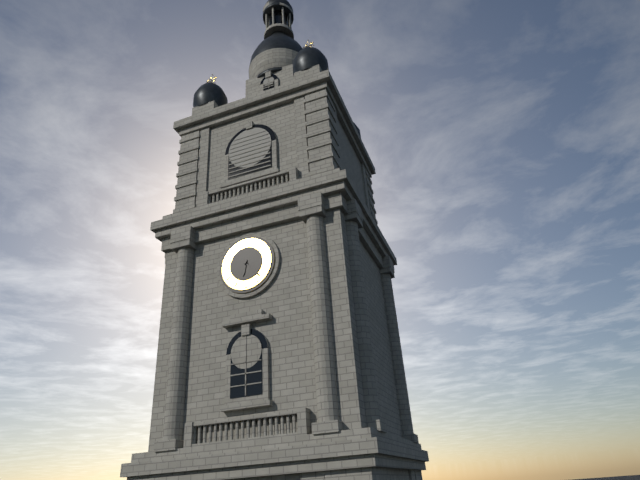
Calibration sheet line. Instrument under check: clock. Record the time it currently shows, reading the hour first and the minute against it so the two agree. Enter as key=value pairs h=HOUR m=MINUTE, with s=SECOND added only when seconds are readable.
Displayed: h=6 m=23
